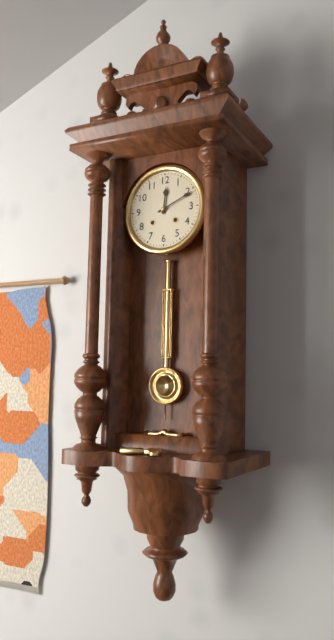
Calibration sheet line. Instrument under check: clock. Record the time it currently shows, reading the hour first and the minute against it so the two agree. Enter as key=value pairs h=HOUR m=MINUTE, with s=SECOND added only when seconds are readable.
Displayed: h=12 m=11
